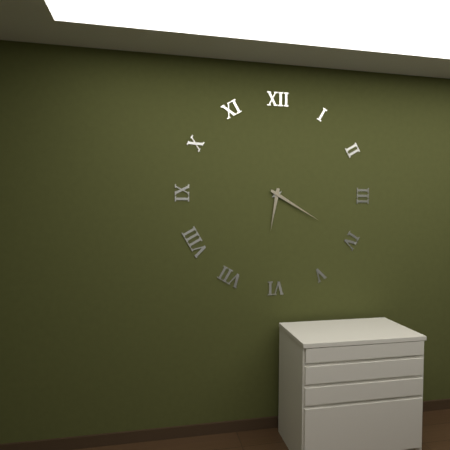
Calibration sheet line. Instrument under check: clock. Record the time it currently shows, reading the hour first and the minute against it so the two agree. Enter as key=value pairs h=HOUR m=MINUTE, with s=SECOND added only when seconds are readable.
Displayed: h=6 m=20
